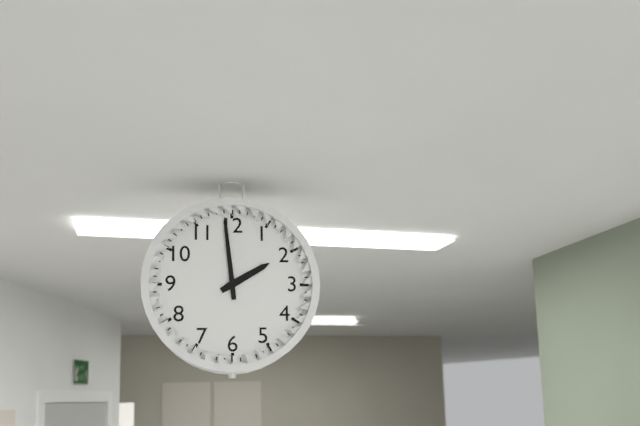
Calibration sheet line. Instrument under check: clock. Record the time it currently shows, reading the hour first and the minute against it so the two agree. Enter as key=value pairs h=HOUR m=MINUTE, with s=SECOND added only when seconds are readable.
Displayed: h=1 m=59
